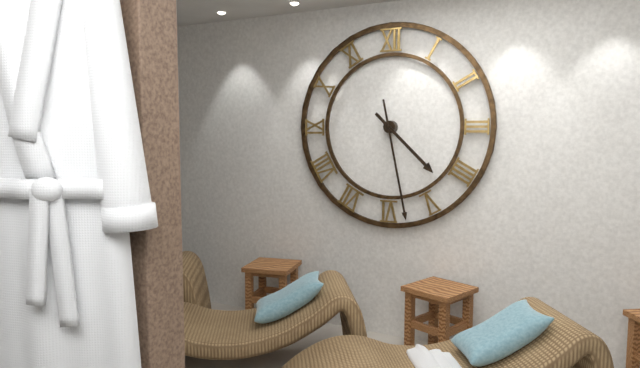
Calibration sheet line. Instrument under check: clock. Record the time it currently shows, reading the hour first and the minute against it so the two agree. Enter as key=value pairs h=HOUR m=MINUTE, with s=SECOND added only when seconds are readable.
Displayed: h=4 m=28
